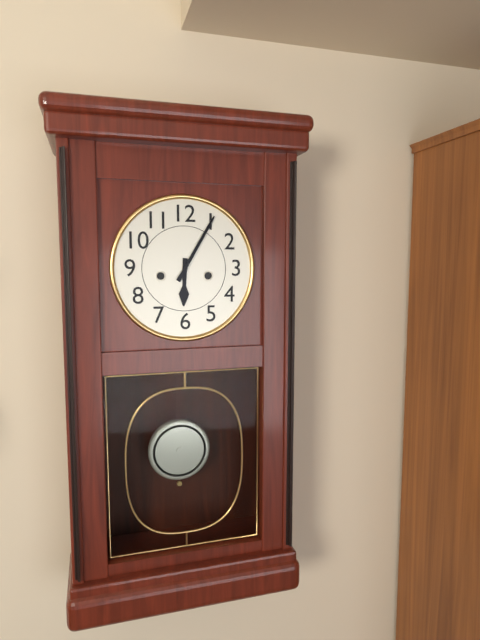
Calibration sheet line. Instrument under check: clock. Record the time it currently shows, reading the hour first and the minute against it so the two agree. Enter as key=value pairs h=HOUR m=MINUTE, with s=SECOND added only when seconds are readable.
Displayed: h=6 m=5
